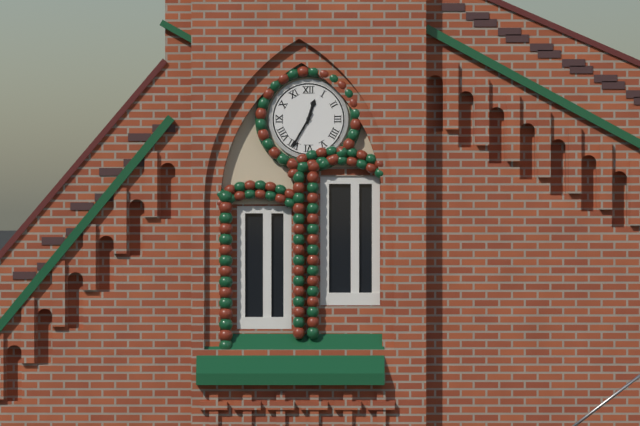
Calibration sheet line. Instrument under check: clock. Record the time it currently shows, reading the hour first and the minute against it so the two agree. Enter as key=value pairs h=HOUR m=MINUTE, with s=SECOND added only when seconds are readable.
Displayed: h=12 m=35
